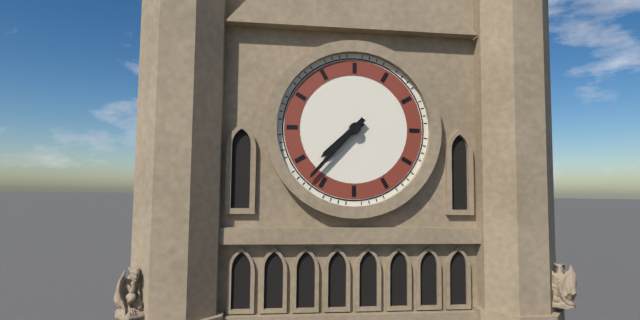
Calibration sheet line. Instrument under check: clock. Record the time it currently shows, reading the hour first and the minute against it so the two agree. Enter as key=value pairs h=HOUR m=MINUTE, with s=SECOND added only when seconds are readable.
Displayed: h=7 m=37
